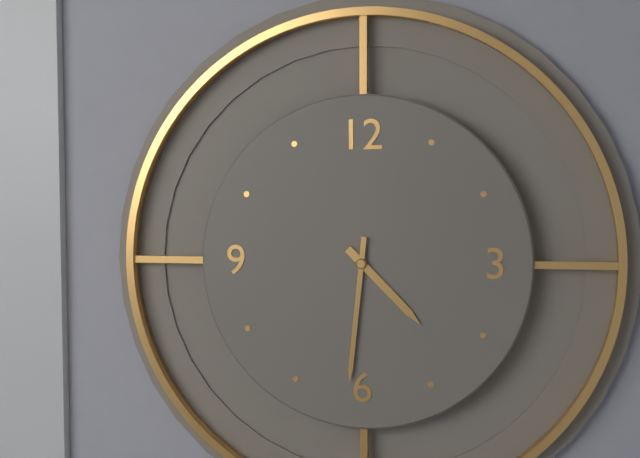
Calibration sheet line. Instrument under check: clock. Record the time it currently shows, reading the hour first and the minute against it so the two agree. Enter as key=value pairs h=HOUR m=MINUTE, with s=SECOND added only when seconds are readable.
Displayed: h=4 m=31
